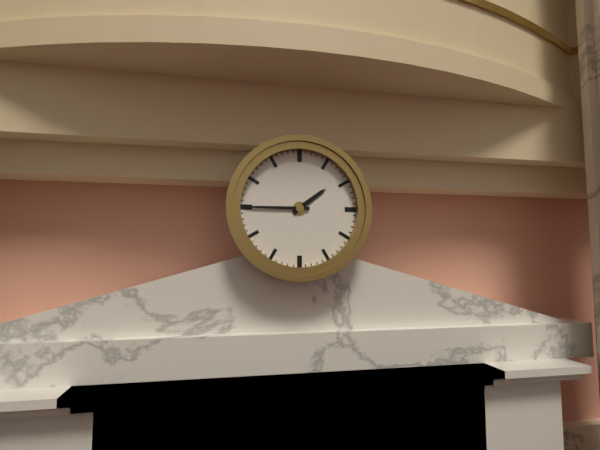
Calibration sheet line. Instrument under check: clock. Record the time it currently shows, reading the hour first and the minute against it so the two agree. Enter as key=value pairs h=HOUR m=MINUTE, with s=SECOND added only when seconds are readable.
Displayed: h=1 m=45
